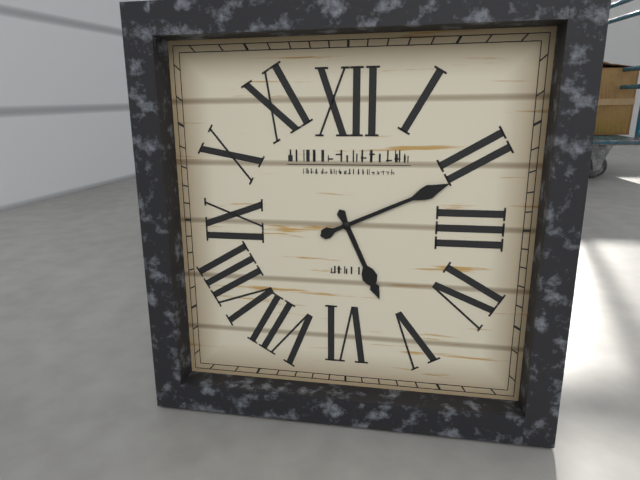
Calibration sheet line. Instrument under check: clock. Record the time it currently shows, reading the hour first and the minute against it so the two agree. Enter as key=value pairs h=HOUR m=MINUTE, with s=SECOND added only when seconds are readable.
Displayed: h=5 m=11
